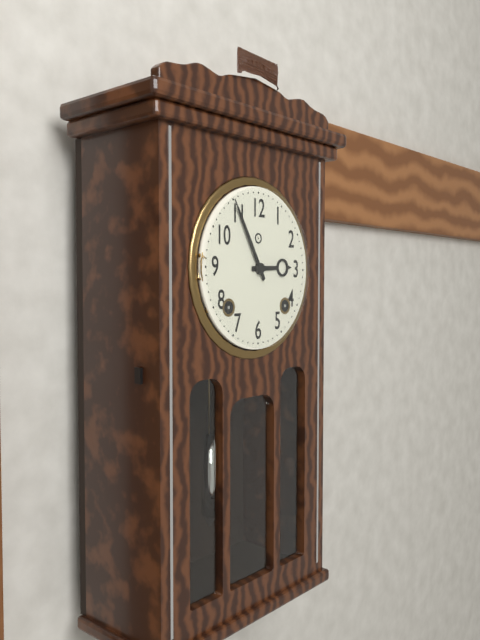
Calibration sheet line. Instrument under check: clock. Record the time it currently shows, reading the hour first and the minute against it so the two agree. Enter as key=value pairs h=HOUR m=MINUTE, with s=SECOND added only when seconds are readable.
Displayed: h=2 m=55
